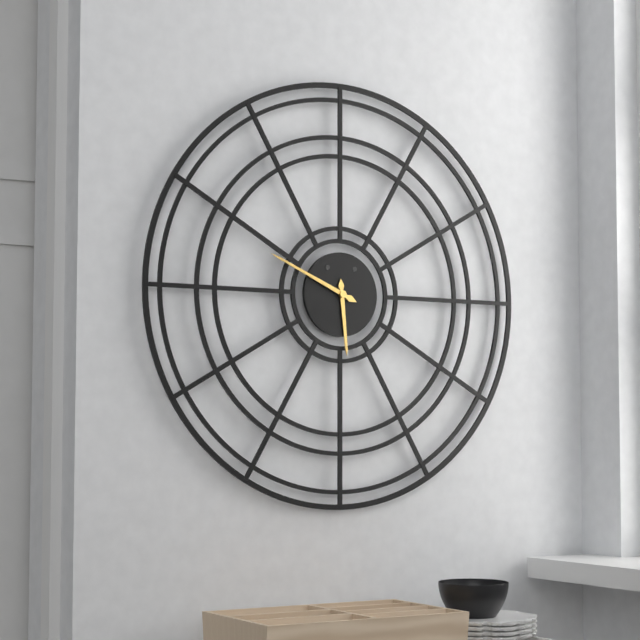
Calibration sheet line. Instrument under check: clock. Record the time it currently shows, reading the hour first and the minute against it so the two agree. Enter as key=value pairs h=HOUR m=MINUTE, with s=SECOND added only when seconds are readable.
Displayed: h=5 m=49
